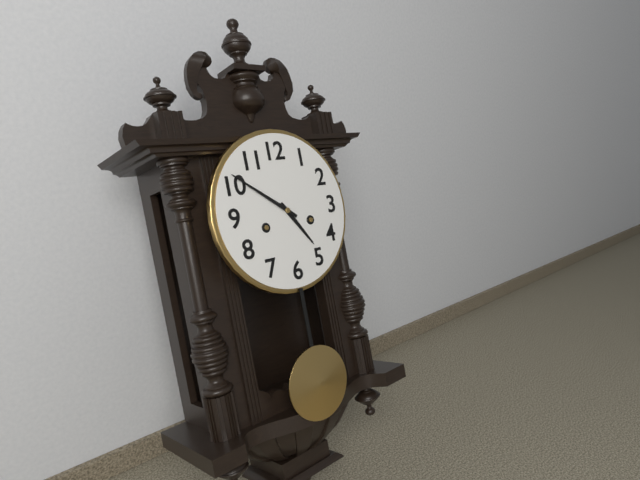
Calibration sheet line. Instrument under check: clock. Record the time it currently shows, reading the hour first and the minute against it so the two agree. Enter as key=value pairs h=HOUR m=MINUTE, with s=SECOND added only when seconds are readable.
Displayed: h=4 m=51
